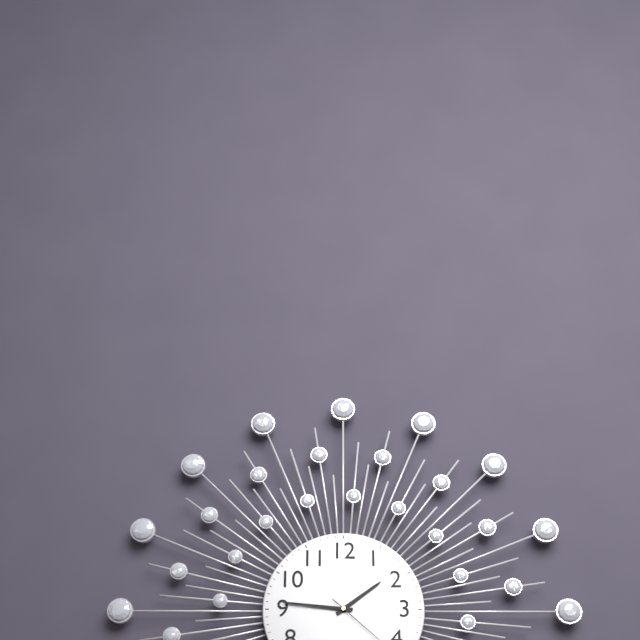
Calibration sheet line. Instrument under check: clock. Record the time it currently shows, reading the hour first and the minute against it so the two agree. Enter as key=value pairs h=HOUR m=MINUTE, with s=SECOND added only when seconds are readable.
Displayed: h=1 m=46
